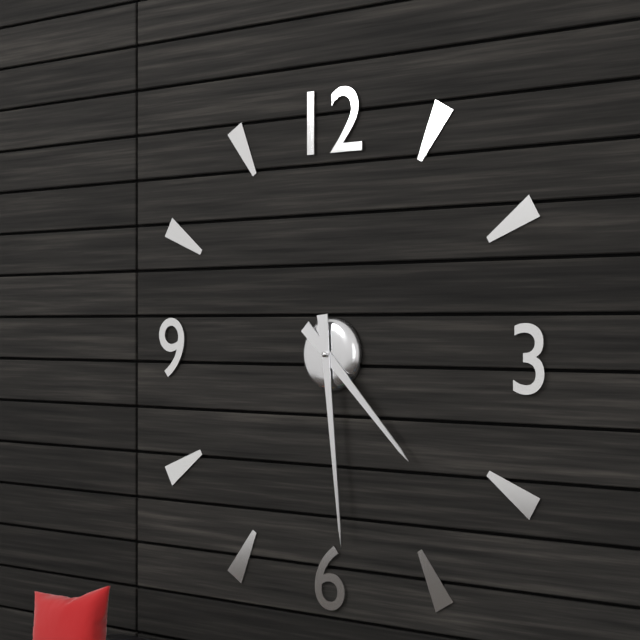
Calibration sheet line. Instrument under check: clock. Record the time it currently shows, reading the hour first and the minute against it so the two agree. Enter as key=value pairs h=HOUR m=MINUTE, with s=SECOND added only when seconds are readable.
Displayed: h=4 m=29
